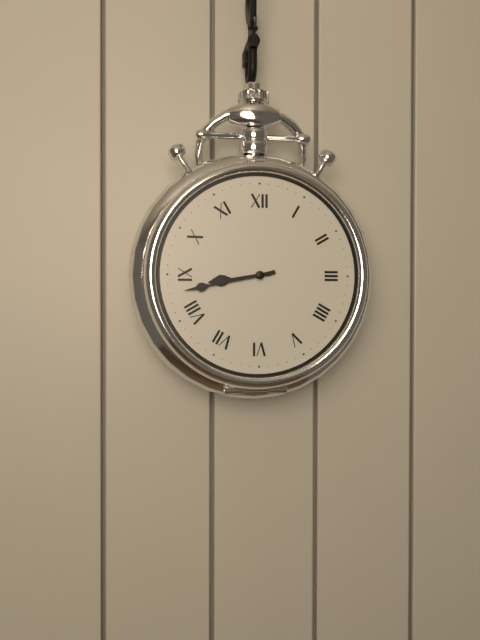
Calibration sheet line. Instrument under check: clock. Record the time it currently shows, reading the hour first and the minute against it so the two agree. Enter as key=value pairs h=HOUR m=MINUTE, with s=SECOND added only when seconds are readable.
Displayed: h=8 m=43
